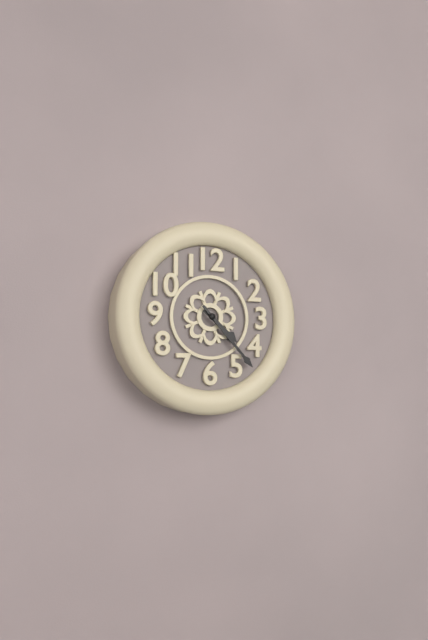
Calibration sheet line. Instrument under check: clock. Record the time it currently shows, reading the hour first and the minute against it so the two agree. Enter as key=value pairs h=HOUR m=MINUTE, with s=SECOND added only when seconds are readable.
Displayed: h=4 m=23
